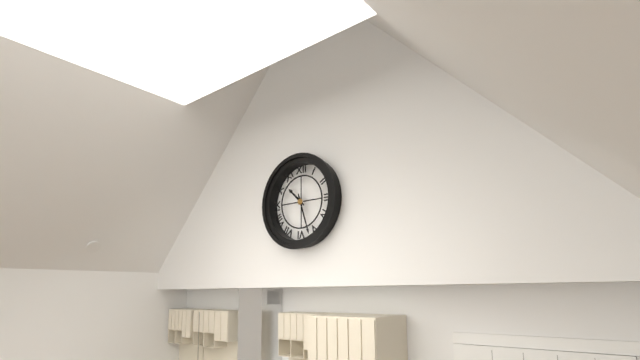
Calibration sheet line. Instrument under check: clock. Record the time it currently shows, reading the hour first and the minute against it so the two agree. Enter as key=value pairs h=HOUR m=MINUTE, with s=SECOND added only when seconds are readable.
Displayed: h=10 m=27
